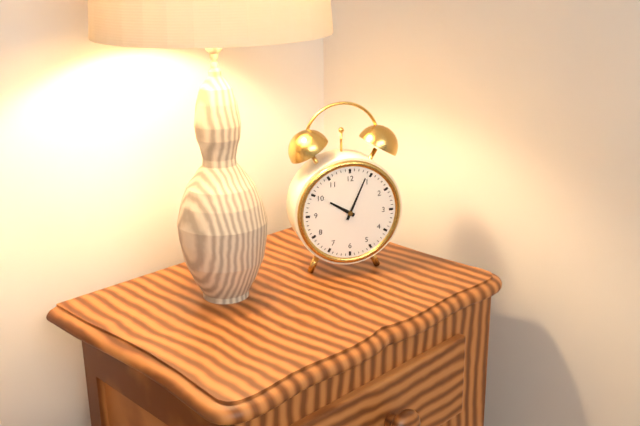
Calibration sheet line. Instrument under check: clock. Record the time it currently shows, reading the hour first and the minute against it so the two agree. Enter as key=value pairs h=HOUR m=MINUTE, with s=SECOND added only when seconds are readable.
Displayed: h=10 m=4
